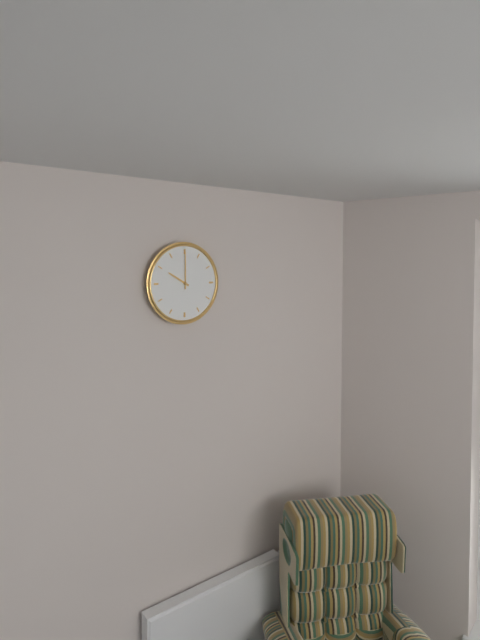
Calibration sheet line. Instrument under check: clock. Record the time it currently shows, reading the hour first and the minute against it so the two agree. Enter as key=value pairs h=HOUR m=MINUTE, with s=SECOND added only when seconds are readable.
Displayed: h=10 m=0
